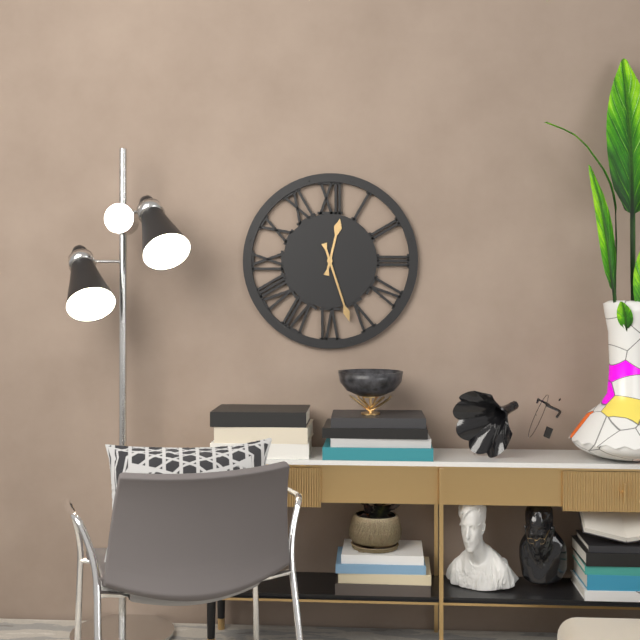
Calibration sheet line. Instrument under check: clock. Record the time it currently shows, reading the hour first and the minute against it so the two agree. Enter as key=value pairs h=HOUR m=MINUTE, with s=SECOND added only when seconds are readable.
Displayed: h=12 m=27
